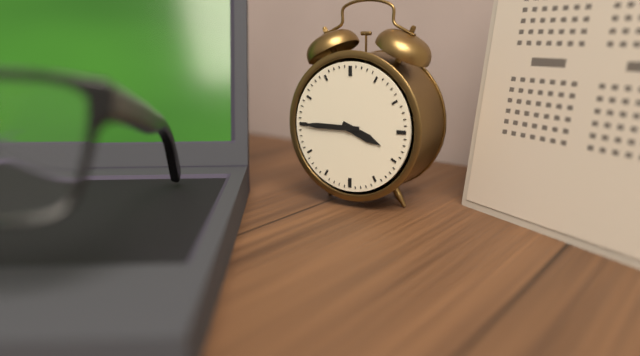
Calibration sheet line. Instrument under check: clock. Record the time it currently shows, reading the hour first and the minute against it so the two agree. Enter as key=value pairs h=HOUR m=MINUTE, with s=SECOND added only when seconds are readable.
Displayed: h=3 m=45
